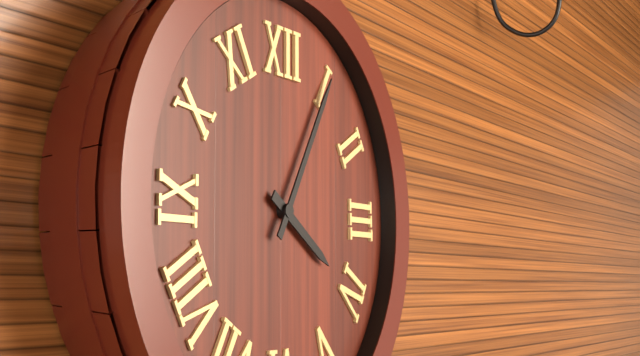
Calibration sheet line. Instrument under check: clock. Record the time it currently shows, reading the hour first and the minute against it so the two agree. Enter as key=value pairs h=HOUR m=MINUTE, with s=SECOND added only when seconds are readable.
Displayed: h=4 m=5
